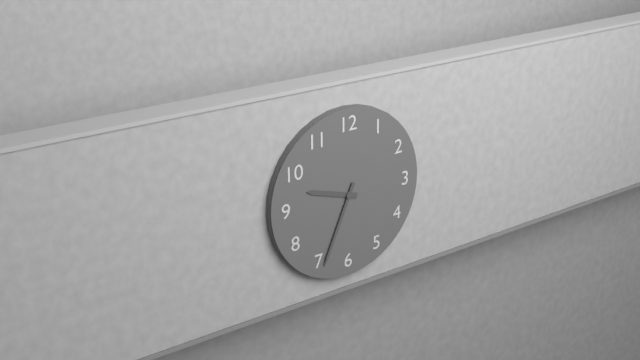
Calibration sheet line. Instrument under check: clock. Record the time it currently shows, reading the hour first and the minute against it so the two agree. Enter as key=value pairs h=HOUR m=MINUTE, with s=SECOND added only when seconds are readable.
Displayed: h=9 m=34
